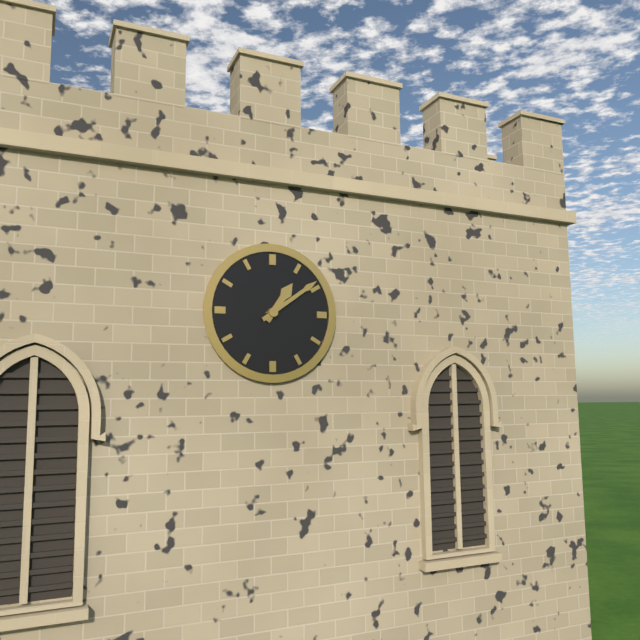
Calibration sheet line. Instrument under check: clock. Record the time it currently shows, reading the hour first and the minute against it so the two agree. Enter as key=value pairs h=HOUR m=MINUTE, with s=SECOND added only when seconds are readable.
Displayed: h=1 m=9
